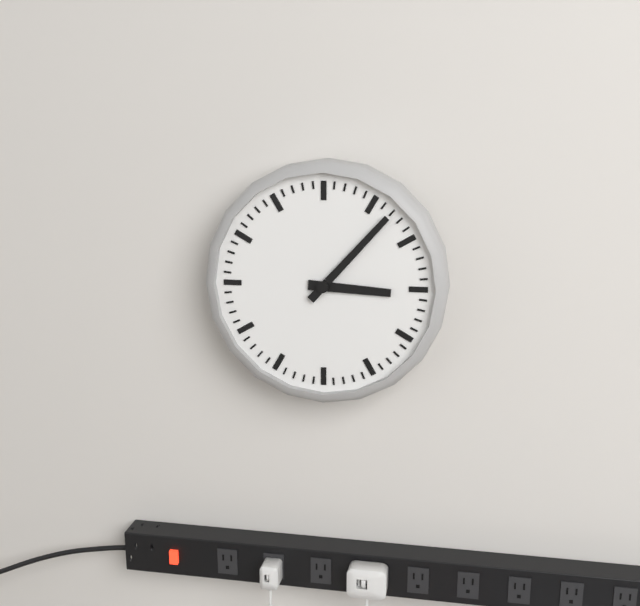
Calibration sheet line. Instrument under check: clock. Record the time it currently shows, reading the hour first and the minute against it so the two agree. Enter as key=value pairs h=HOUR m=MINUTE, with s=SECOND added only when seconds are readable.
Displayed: h=3 m=7
